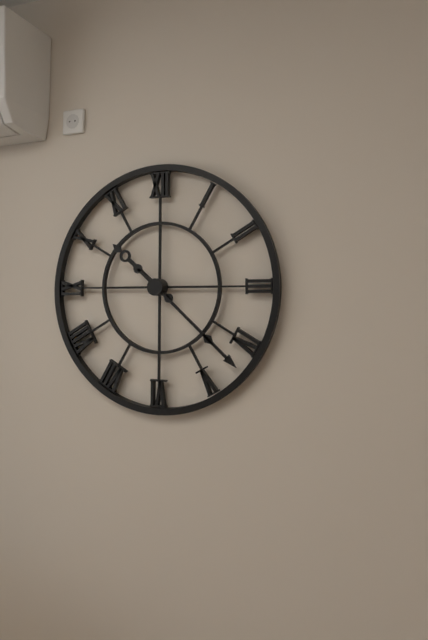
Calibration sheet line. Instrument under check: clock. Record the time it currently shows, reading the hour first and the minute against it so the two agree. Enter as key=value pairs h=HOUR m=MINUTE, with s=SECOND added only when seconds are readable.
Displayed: h=10 m=22
